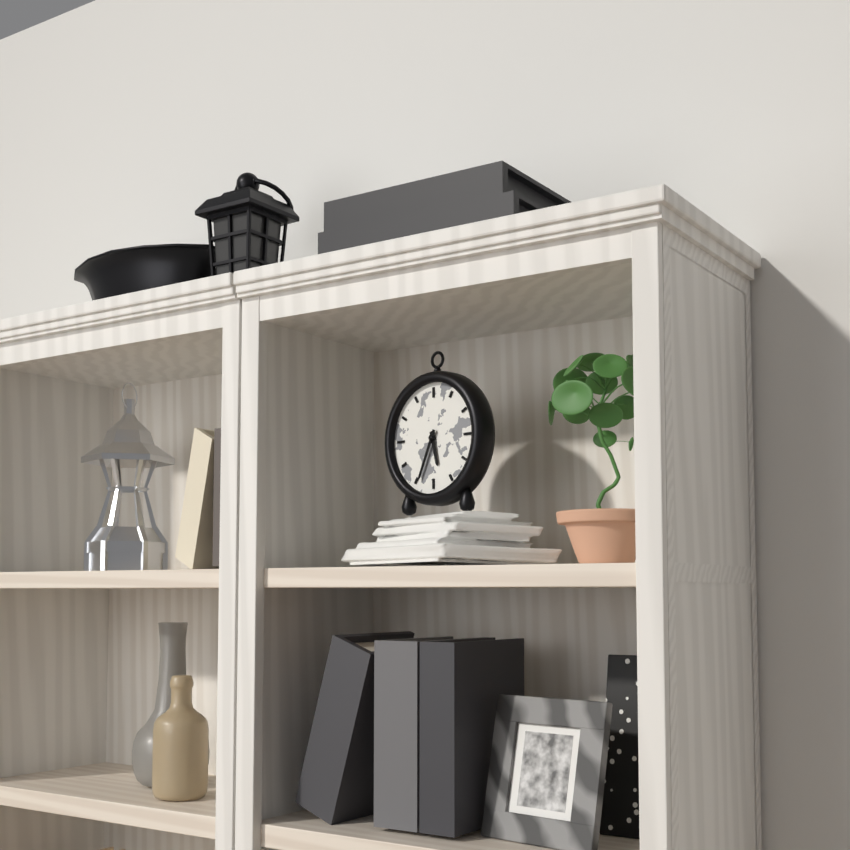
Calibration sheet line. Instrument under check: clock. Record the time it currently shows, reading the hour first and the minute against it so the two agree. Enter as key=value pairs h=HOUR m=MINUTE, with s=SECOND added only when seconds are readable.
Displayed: h=5 m=34
